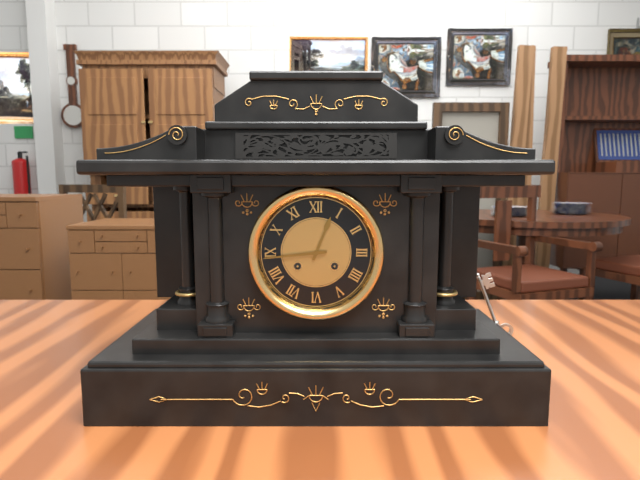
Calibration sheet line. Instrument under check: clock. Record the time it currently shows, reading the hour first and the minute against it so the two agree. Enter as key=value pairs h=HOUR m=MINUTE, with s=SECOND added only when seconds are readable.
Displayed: h=12 m=44
